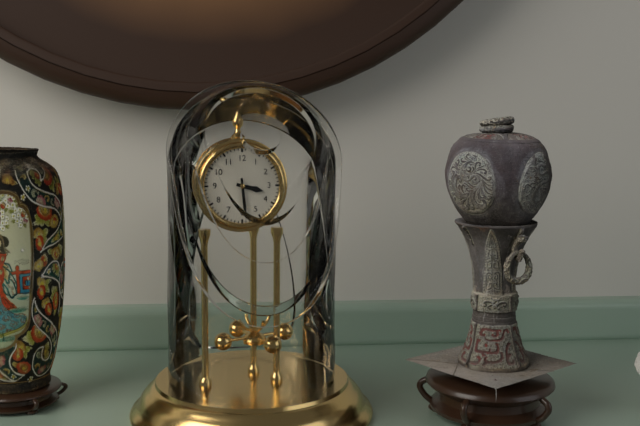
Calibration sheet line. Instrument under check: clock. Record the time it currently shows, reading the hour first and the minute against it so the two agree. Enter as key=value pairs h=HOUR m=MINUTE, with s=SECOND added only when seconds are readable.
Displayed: h=3 m=29
